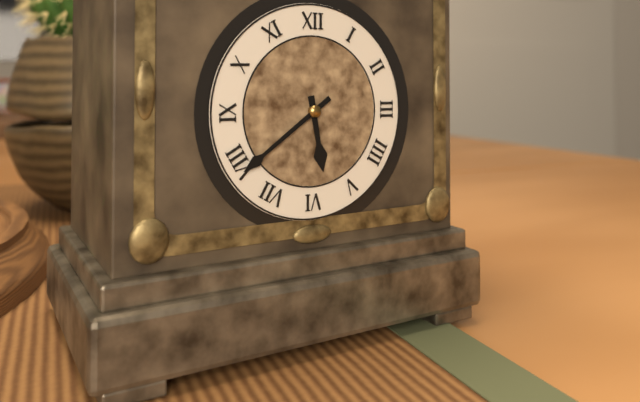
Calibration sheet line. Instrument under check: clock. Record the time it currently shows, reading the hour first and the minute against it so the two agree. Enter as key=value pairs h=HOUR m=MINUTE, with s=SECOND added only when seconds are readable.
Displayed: h=5 m=39
